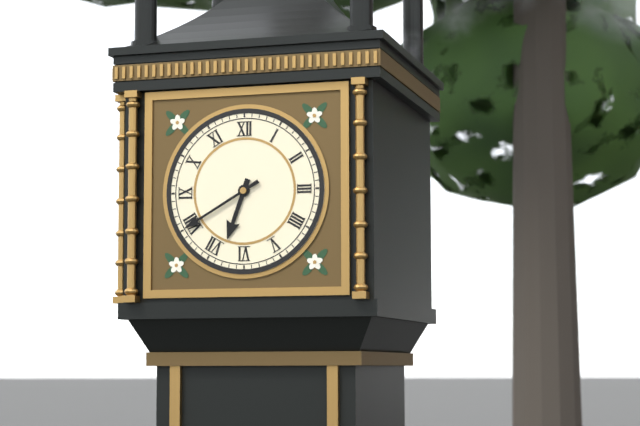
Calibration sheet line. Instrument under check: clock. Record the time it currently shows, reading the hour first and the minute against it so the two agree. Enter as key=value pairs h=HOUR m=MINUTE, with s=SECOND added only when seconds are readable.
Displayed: h=6 m=40
